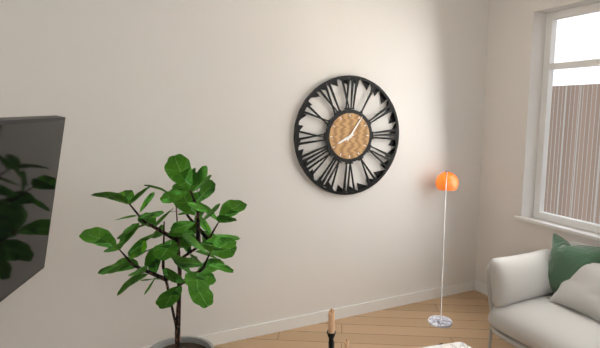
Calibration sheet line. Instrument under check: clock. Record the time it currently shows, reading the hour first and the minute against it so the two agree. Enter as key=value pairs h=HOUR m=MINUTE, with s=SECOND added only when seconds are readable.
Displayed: h=8 m=6
